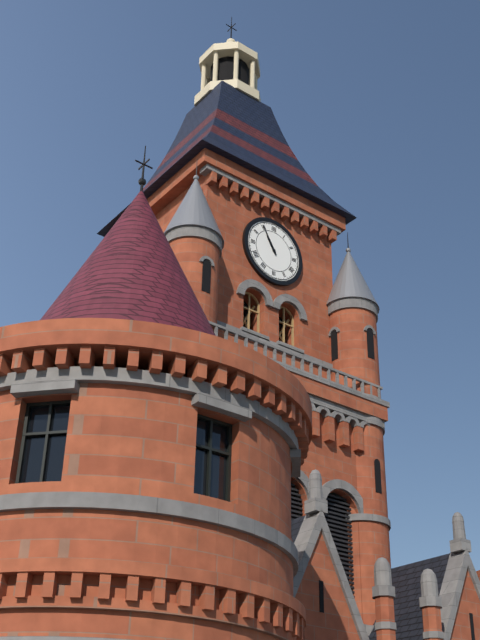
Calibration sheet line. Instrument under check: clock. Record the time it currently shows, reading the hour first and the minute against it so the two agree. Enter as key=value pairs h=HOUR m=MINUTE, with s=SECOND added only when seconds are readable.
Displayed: h=10 m=55
